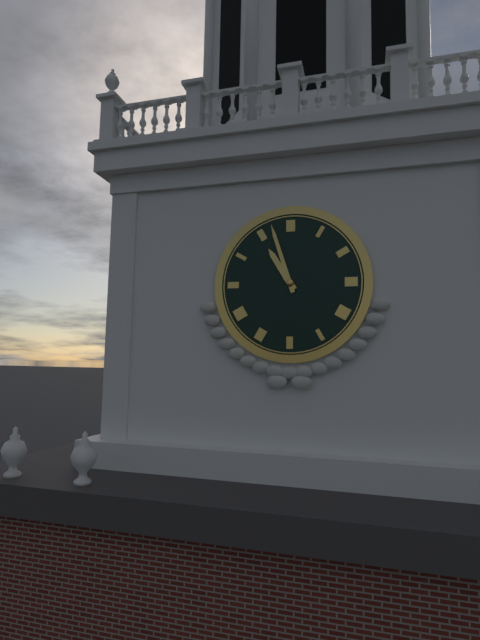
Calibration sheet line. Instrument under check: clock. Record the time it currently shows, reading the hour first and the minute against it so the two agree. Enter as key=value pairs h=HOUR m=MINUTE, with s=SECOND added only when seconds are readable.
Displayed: h=10 m=57
